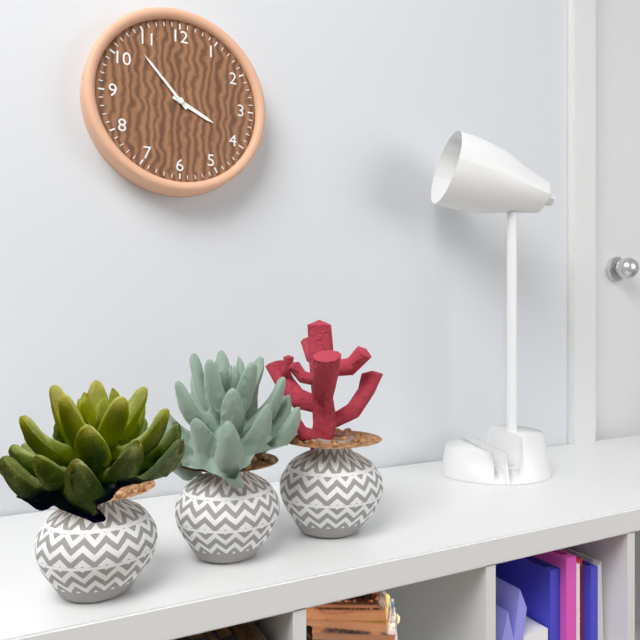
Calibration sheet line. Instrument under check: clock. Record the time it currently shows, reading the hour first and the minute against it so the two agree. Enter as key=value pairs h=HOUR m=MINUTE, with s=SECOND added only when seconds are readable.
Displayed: h=3 m=53
